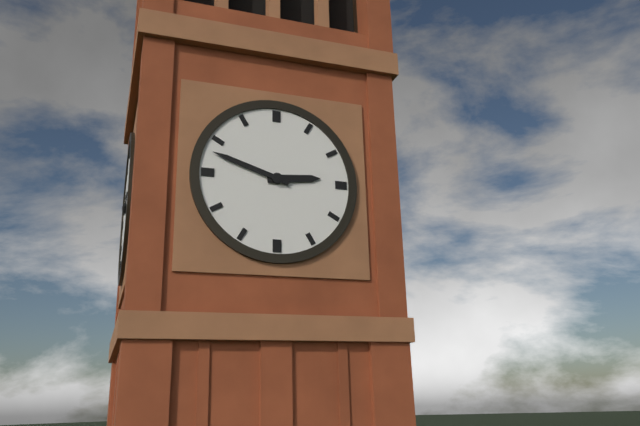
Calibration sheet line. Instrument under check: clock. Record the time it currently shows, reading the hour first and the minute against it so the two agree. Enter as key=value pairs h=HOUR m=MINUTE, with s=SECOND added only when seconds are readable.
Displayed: h=2 m=48
